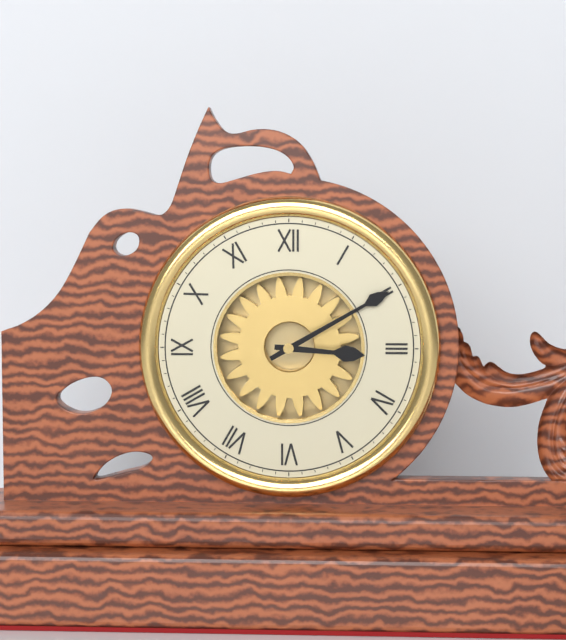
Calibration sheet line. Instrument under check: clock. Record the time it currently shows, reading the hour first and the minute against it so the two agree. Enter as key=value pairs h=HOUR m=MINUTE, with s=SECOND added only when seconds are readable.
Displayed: h=3 m=10
